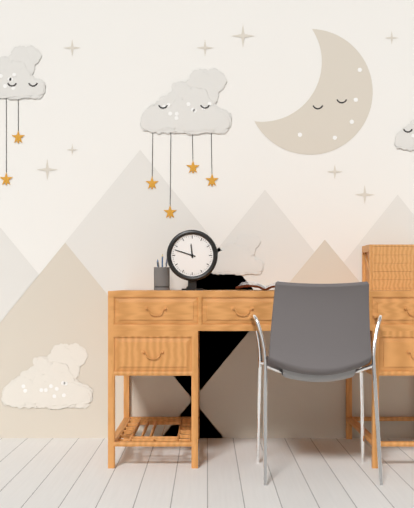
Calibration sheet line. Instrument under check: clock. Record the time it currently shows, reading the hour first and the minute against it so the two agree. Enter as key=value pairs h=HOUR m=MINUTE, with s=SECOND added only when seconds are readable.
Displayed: h=11 m=48
